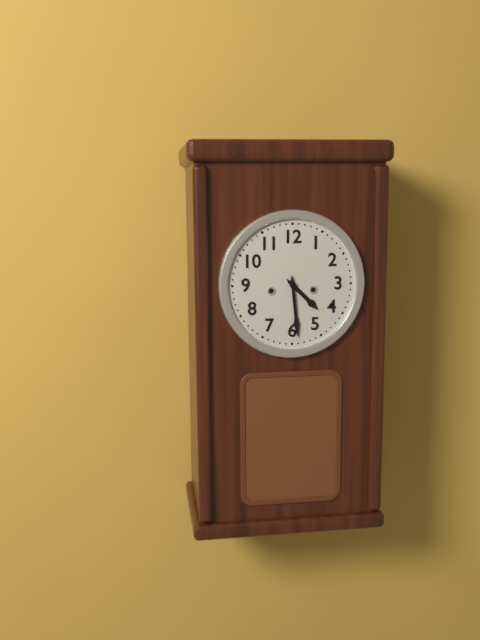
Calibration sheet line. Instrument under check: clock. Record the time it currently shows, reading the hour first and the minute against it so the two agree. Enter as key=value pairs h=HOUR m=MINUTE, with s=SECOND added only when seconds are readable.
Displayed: h=4 m=29
